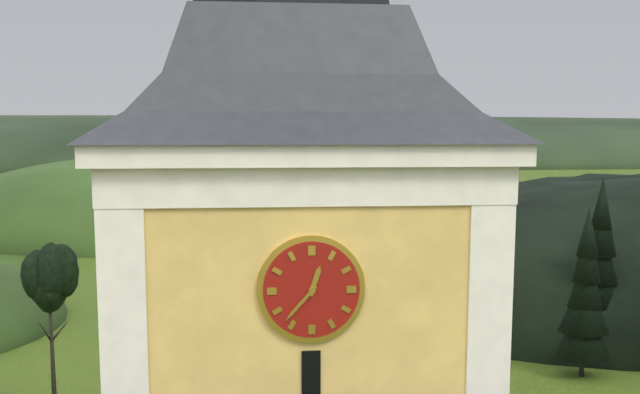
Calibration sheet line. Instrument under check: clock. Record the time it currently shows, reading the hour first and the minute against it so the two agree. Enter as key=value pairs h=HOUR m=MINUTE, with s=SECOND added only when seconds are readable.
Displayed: h=12 m=37
